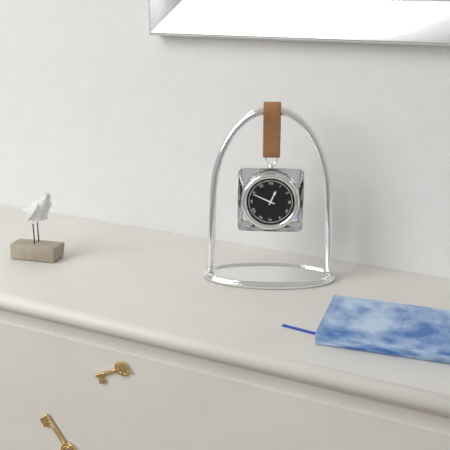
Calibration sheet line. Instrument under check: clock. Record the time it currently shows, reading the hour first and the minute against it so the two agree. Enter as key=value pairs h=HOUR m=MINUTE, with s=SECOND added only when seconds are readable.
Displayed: h=12 m=49
